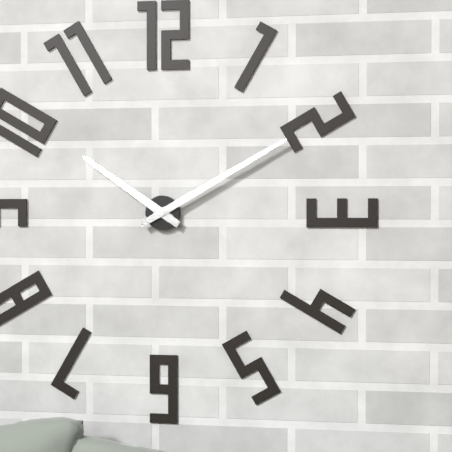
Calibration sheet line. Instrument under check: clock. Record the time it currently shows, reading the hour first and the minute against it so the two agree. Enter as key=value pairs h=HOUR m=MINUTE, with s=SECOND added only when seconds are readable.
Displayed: h=10 m=10
